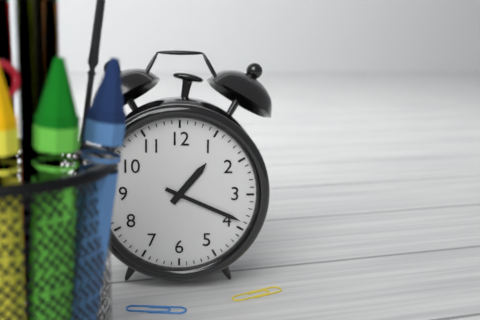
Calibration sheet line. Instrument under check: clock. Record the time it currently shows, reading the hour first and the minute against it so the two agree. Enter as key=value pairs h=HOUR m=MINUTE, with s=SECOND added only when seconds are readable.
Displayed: h=1 m=19
